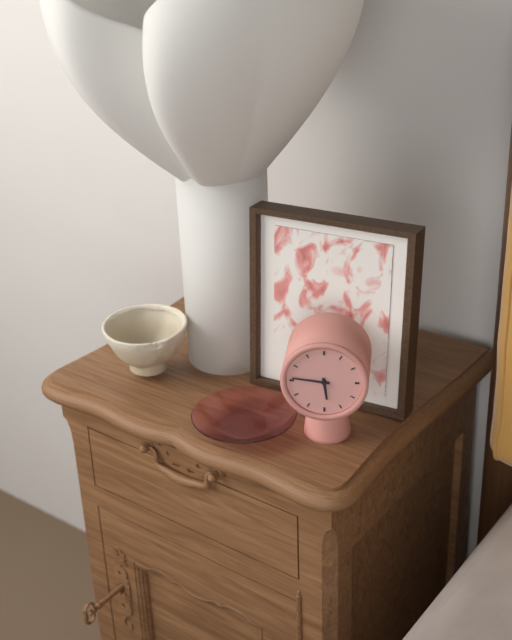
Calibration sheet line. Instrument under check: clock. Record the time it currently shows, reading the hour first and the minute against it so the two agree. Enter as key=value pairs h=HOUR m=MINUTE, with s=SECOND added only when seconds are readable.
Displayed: h=5 m=46
